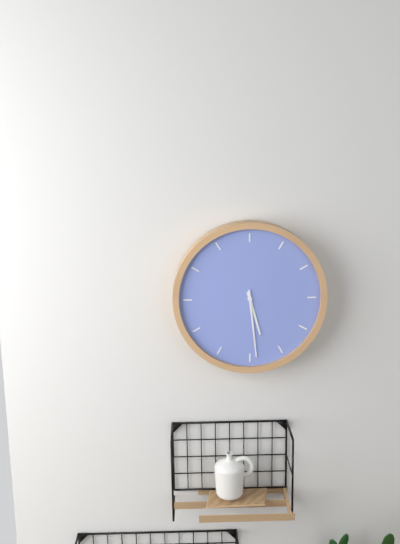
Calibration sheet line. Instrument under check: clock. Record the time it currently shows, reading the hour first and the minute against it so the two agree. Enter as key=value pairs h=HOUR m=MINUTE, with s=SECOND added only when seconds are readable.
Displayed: h=5 m=29
